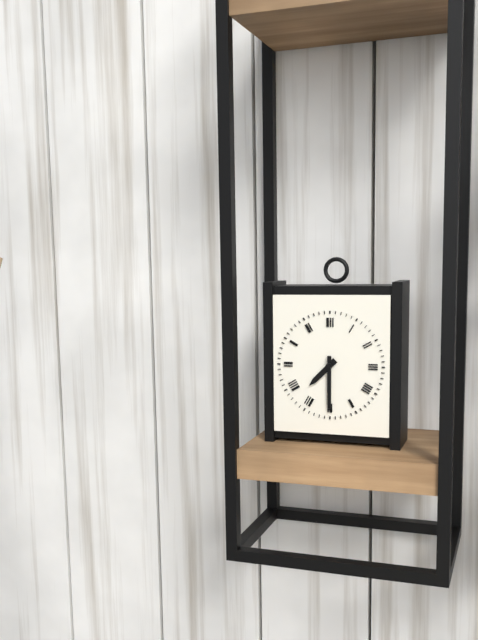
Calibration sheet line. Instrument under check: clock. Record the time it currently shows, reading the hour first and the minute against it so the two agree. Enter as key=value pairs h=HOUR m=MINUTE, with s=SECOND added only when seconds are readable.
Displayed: h=7 m=30
